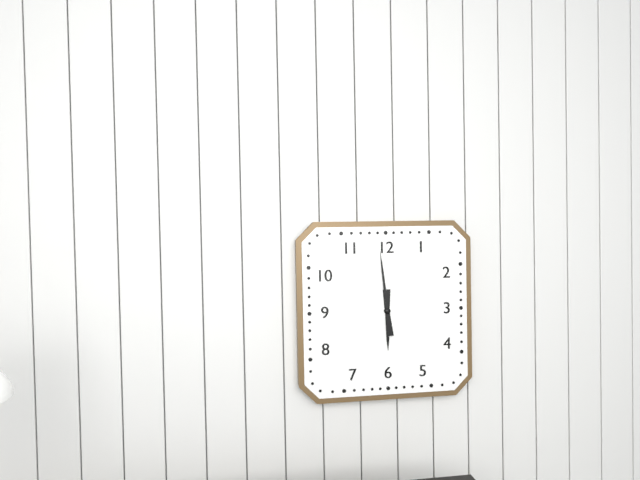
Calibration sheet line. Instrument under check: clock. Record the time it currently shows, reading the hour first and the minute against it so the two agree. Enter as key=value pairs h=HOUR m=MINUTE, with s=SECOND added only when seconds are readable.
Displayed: h=5 m=59
